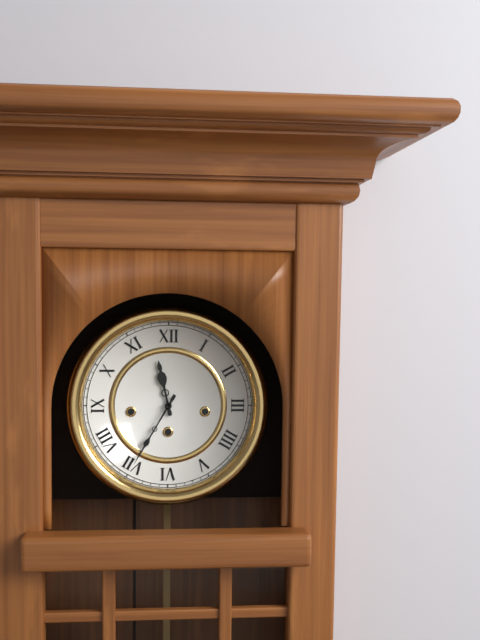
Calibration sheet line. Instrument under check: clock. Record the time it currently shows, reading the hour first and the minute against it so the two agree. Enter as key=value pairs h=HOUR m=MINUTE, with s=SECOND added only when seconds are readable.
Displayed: h=11 m=35
